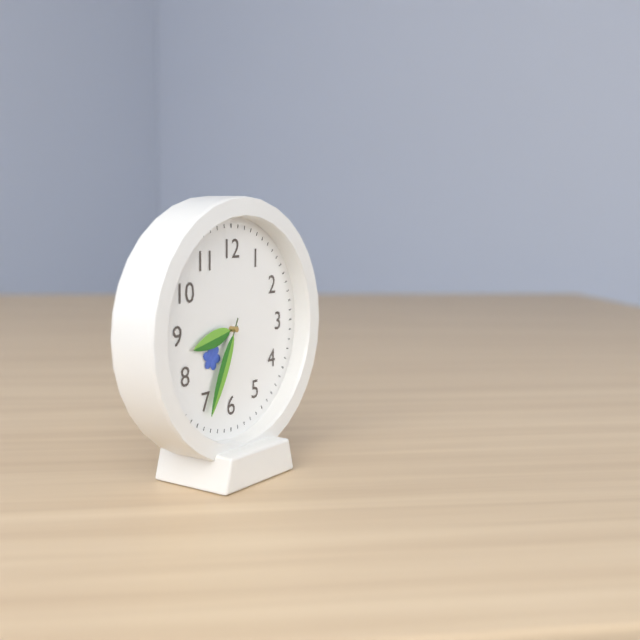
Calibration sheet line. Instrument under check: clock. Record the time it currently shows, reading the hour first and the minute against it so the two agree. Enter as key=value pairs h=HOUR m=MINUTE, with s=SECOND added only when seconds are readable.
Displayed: h=8 m=34
